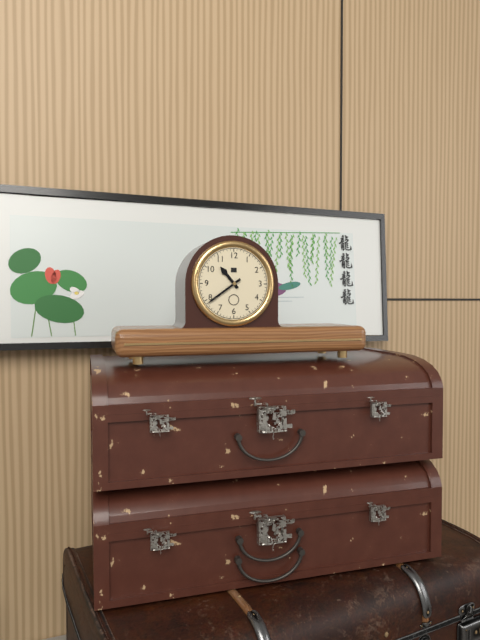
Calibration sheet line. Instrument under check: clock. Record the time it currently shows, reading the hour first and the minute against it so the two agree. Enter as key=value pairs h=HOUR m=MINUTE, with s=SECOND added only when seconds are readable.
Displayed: h=10 m=39
